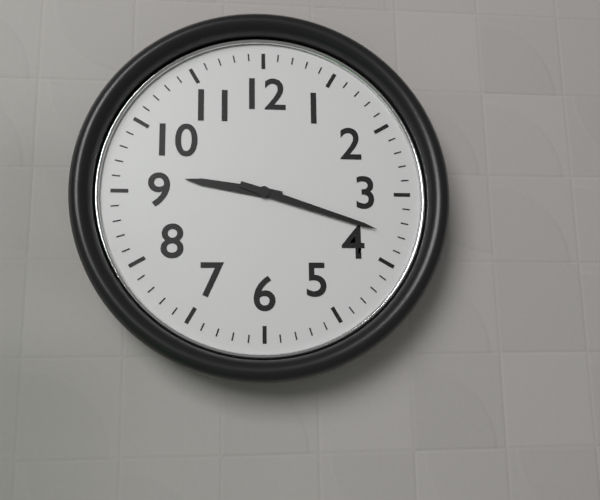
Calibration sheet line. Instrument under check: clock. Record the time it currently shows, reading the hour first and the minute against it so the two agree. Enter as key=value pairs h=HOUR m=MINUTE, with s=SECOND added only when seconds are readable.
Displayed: h=9 m=18
